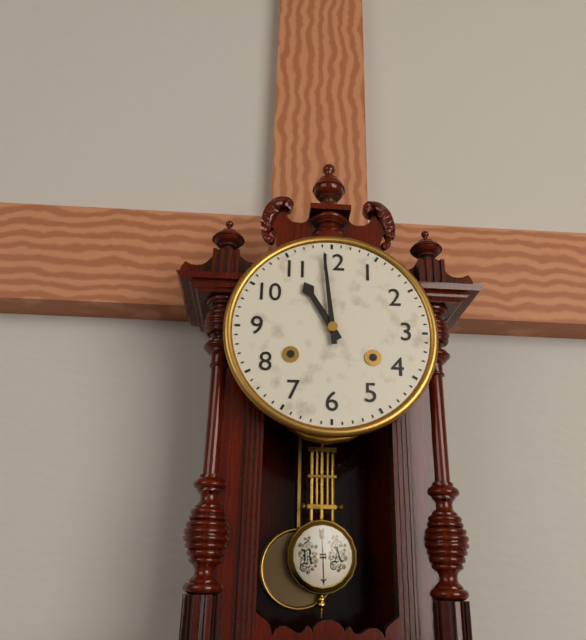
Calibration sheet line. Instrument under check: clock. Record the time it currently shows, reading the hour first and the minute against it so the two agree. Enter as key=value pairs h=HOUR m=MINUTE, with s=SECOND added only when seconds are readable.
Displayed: h=10 m=59
